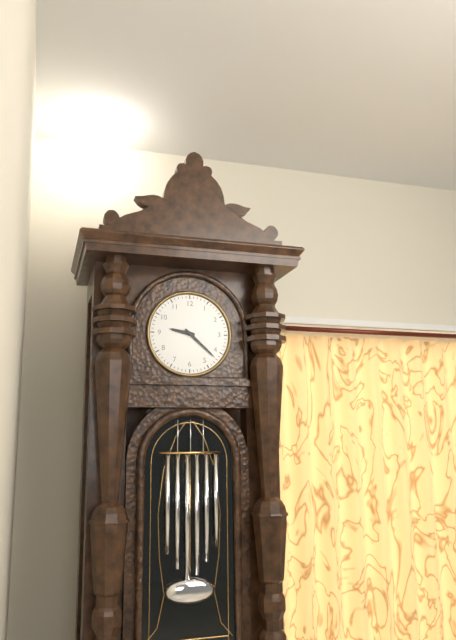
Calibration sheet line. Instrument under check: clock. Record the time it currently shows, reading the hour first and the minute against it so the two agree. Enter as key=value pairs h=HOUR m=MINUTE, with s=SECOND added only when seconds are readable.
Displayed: h=9 m=22
